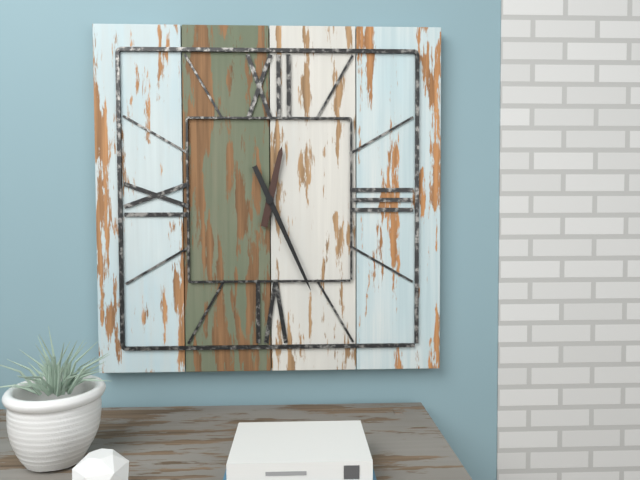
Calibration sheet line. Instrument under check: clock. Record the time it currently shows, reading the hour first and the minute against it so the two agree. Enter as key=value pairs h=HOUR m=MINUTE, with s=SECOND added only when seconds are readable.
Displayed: h=12 m=26
